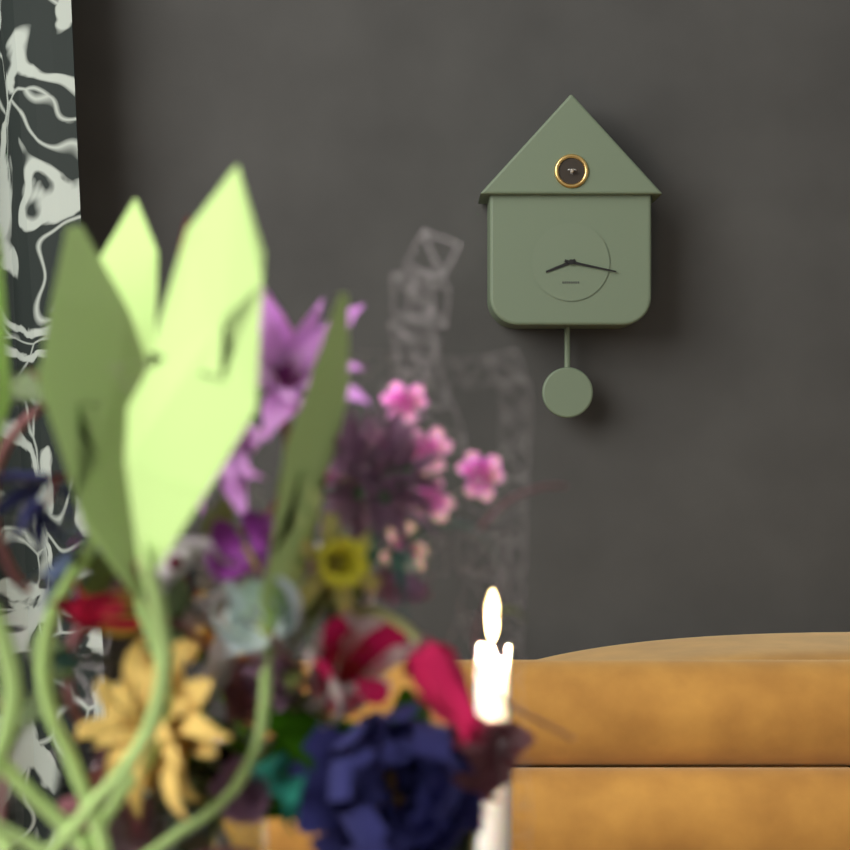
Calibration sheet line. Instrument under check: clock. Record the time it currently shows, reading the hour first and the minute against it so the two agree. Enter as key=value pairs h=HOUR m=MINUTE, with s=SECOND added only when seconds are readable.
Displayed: h=8 m=17
